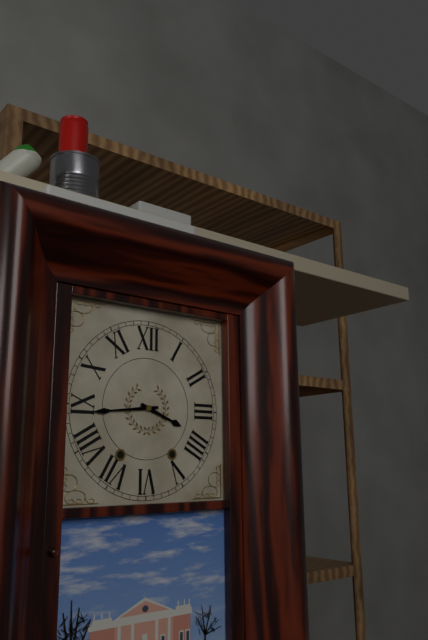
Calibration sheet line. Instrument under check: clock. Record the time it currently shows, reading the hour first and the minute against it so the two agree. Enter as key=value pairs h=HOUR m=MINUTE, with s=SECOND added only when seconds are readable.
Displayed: h=3 m=44
